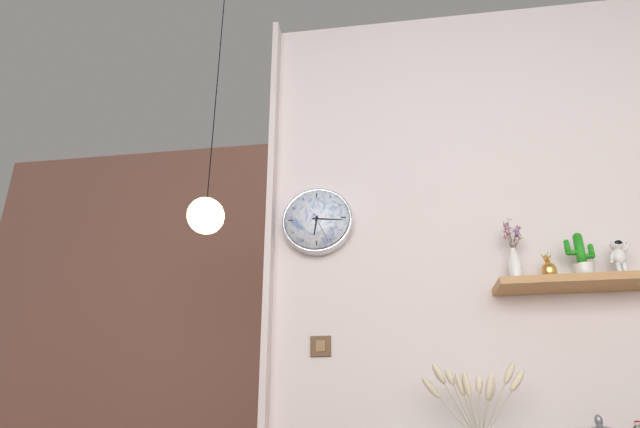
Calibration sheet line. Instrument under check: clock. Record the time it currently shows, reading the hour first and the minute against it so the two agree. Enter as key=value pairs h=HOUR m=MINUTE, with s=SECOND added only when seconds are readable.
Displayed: h=6 m=16
